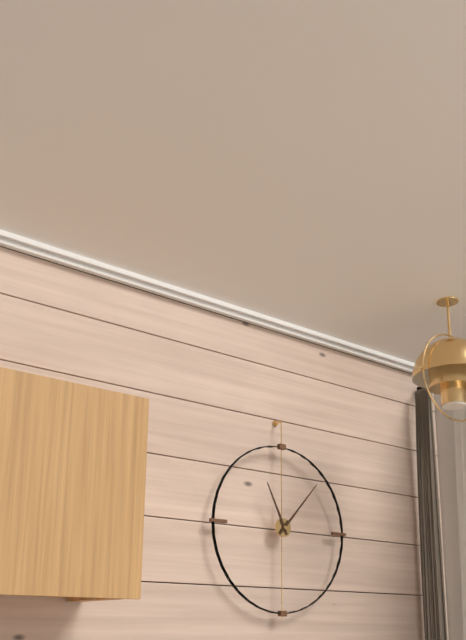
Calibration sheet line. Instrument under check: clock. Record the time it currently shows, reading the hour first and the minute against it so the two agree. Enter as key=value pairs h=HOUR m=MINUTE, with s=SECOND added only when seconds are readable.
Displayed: h=11 m=7
